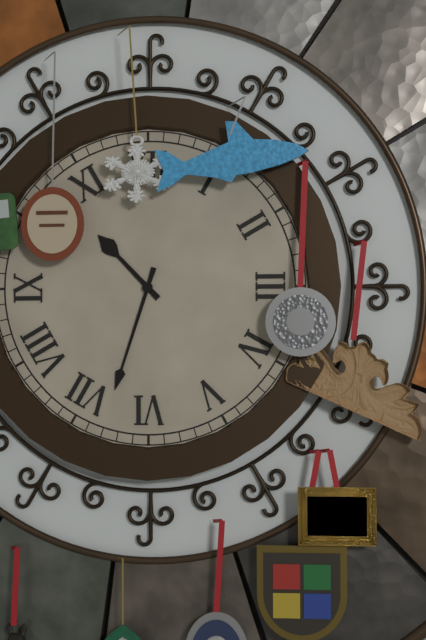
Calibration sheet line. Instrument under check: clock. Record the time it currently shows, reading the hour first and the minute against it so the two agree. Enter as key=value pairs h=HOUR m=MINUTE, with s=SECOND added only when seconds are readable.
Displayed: h=10 m=33
